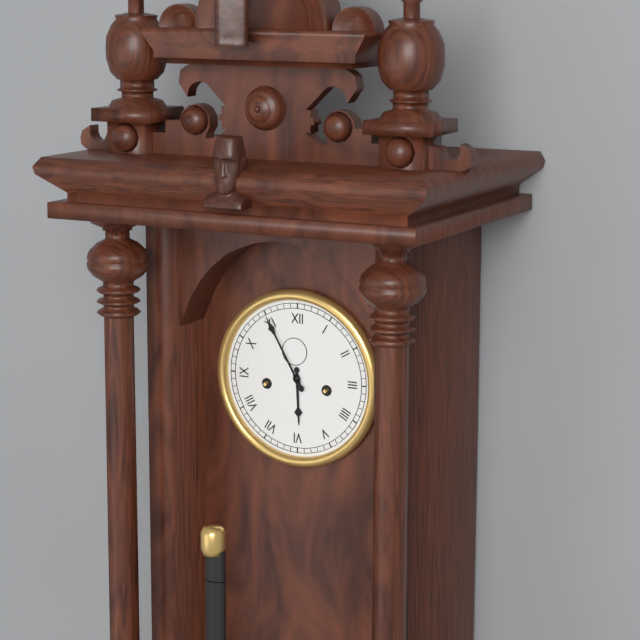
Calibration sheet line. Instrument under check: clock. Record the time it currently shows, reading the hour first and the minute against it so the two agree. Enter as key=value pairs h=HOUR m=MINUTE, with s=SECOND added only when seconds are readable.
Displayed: h=5 m=55
